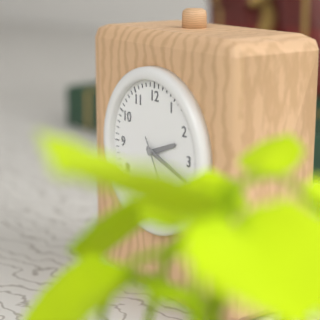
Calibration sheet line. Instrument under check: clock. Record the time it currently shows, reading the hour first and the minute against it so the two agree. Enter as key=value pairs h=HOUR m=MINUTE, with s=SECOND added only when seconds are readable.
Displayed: h=2 m=18
